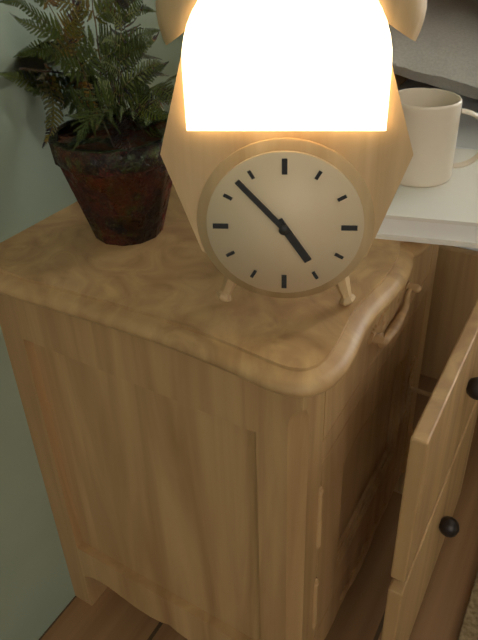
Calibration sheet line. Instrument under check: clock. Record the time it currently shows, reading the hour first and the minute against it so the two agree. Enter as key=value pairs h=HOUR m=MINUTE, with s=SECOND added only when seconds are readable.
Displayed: h=4 m=53
